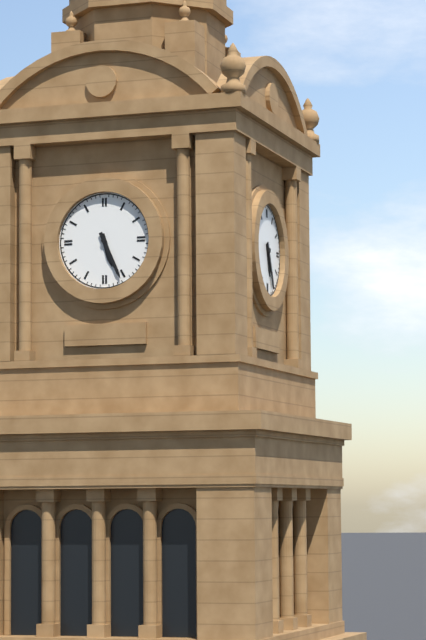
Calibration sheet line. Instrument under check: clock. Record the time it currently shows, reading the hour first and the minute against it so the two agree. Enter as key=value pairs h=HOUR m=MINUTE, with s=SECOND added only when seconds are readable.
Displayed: h=5 m=26
